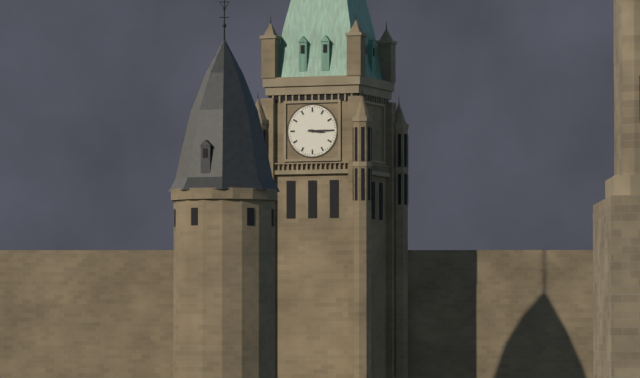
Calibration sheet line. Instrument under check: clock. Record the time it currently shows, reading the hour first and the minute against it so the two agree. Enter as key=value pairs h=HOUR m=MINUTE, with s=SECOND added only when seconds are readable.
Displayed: h=3 m=15
